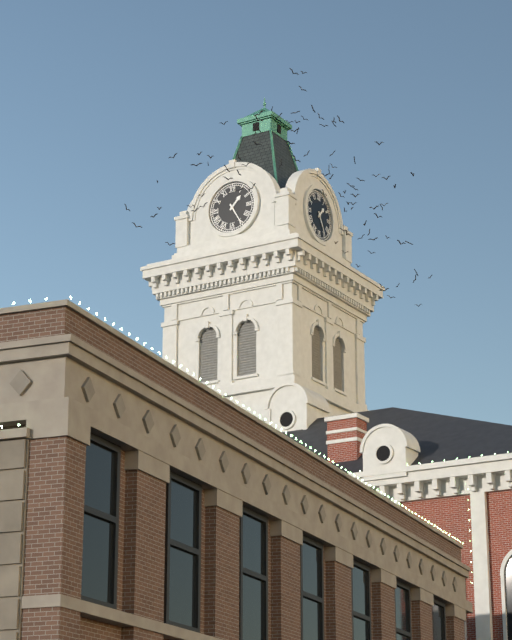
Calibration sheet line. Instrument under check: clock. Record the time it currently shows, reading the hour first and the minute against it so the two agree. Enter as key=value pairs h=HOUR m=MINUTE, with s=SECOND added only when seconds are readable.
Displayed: h=1 m=25
